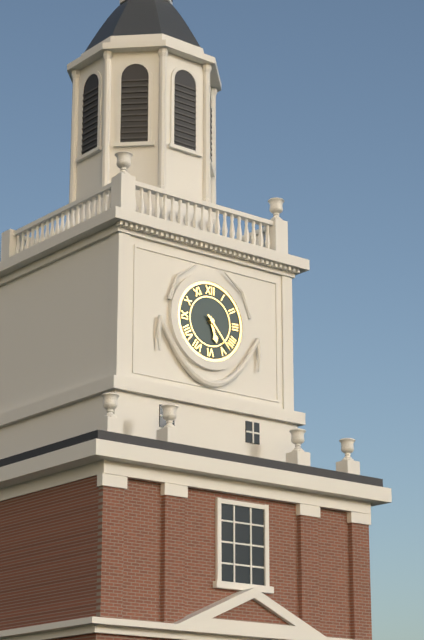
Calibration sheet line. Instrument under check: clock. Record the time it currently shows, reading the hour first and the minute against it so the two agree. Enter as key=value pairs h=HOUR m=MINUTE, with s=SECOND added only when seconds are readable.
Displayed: h=5 m=23
